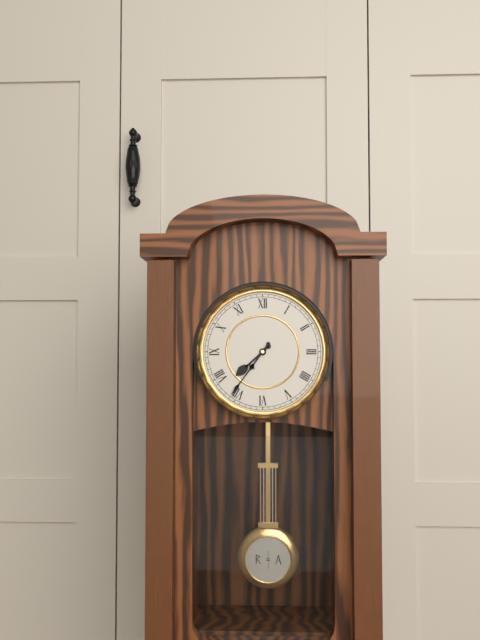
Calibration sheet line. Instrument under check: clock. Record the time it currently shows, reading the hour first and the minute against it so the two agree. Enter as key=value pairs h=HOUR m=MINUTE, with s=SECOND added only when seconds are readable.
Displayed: h=7 m=36
